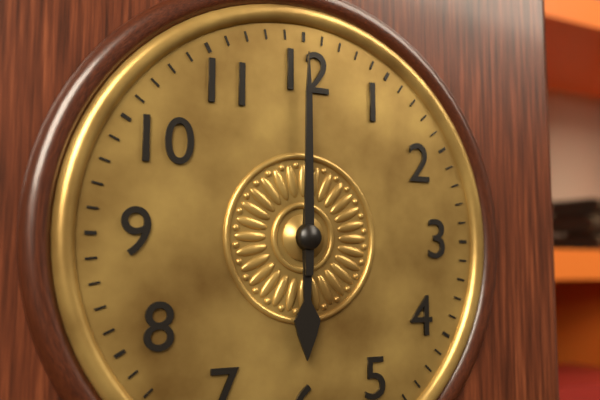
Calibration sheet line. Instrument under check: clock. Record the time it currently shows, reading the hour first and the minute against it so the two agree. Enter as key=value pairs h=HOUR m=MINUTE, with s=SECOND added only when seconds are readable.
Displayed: h=6 m=0
